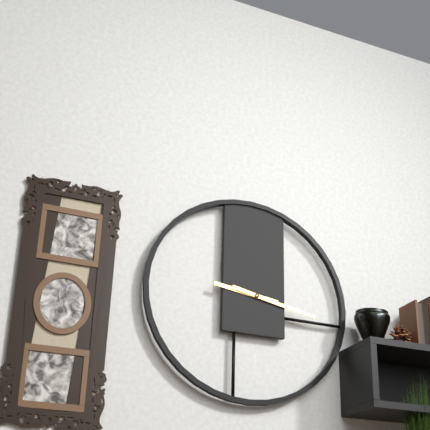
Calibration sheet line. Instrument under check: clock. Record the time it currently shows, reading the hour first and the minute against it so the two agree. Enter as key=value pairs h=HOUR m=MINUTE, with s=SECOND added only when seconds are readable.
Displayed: h=9 m=17
